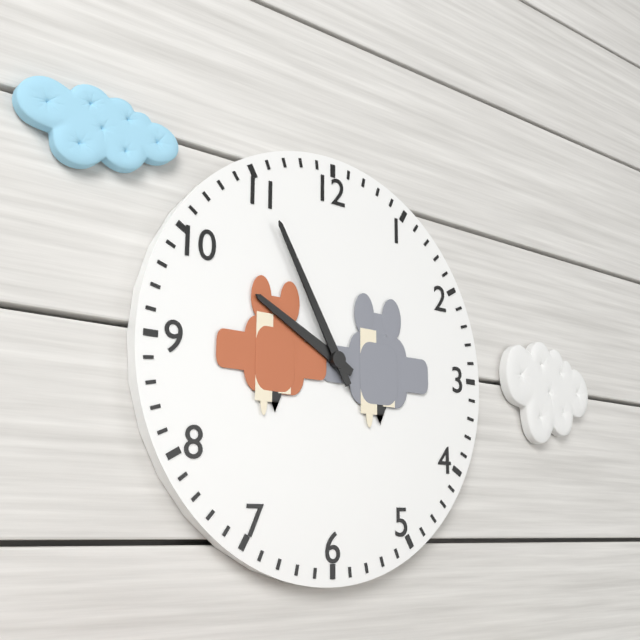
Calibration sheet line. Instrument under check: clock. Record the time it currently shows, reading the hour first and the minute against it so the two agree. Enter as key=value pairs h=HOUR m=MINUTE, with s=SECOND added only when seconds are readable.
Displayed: h=9 m=55
